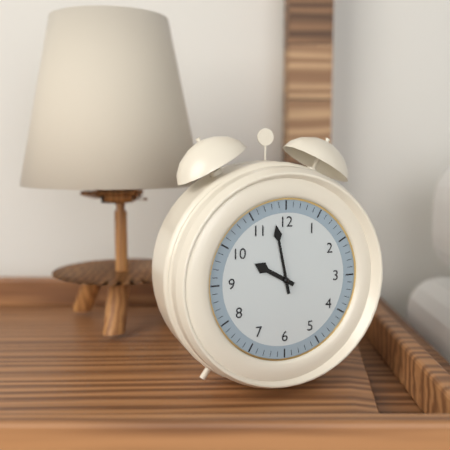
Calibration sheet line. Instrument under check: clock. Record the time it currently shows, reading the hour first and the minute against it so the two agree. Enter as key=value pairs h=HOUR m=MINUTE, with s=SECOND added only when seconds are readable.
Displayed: h=9 m=58
